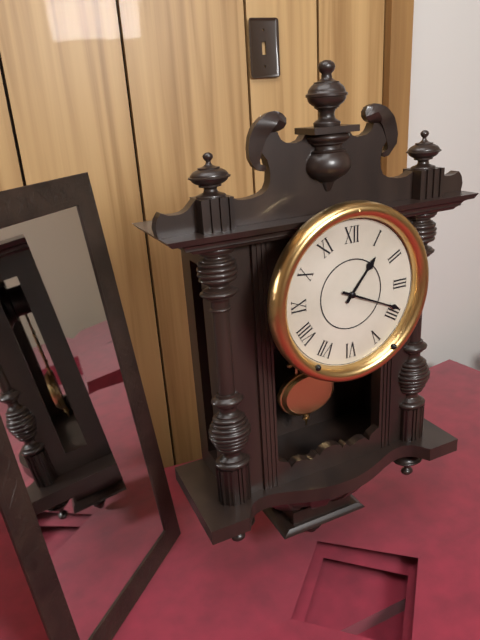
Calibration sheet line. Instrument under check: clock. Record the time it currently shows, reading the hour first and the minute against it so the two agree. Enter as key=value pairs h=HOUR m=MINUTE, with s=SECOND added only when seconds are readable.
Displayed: h=1 m=19
